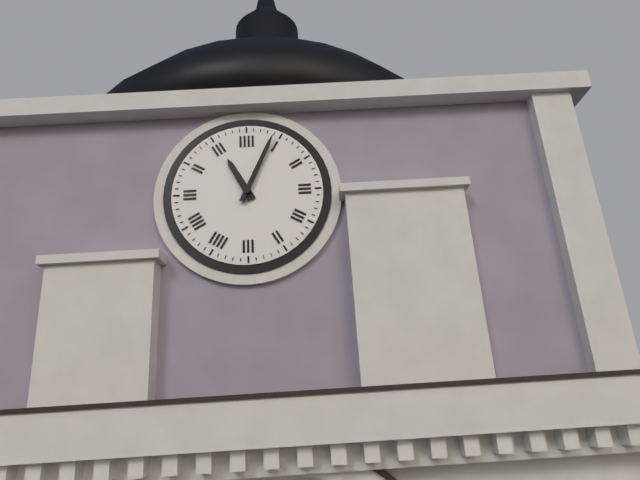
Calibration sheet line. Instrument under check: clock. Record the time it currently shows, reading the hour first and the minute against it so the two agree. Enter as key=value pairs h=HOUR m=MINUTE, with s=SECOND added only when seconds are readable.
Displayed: h=11 m=4
